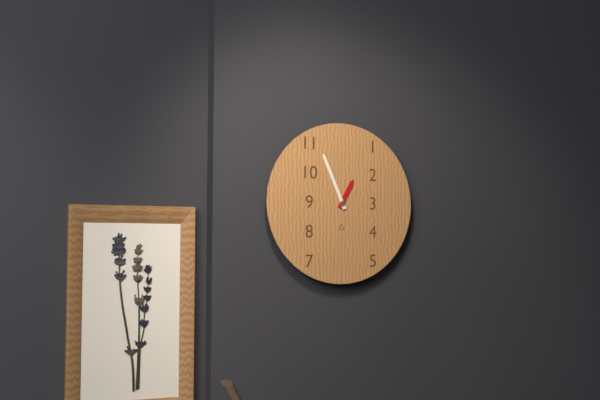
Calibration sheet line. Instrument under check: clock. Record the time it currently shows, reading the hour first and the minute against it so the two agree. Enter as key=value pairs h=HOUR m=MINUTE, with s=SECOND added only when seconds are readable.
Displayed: h=12 m=56
